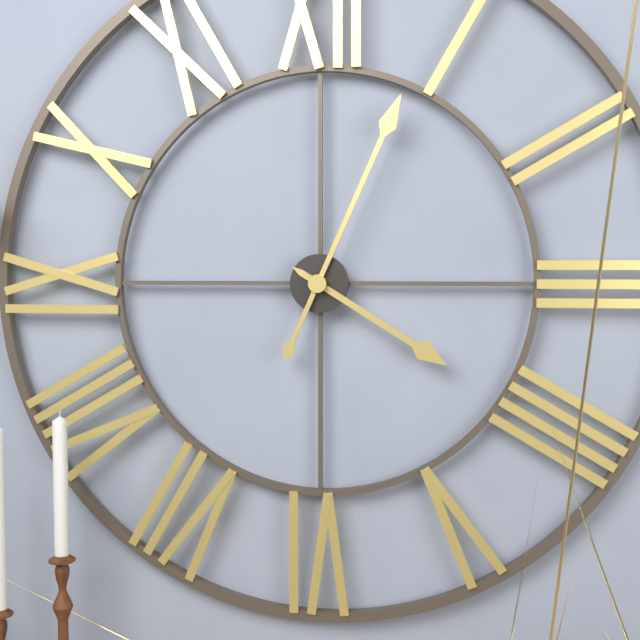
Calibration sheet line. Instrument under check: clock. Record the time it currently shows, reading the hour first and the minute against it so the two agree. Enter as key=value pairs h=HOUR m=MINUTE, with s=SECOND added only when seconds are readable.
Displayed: h=4 m=4
